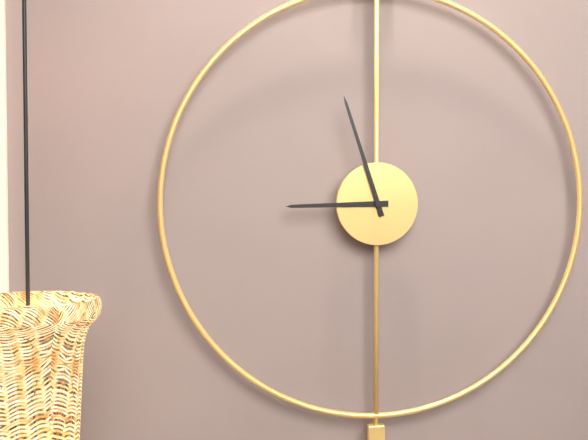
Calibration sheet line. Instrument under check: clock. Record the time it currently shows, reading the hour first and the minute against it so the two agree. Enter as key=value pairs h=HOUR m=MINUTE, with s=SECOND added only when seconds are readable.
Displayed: h=8 m=57
